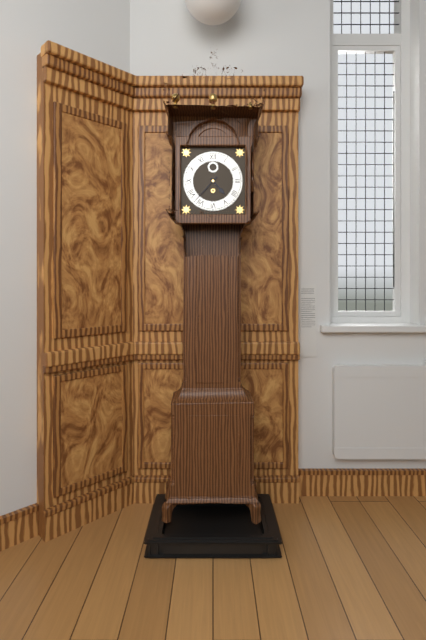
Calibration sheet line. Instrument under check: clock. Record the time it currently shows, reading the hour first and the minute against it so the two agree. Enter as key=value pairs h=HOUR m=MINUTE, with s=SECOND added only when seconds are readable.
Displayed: h=4 m=37
